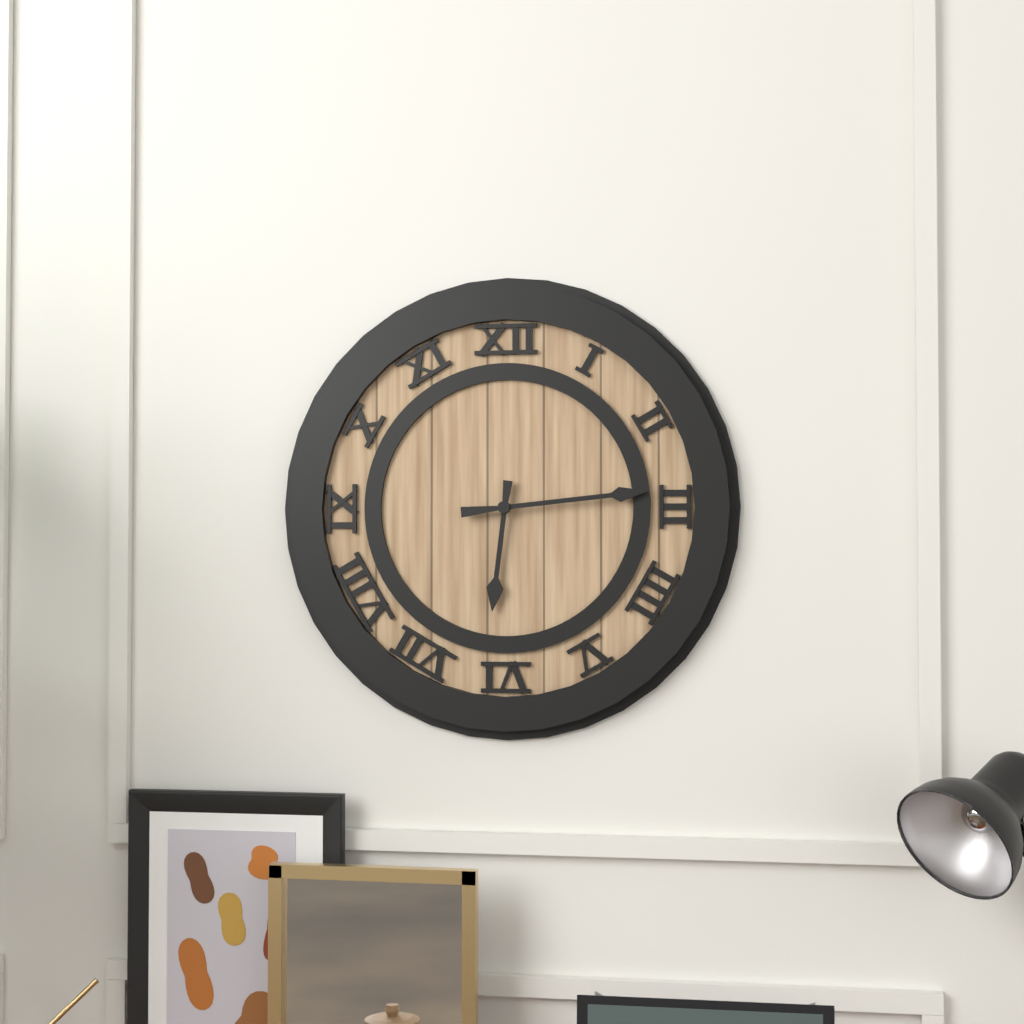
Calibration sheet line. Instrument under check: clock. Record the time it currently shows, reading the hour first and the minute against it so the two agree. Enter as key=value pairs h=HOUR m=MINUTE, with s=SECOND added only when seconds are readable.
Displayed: h=6 m=14
